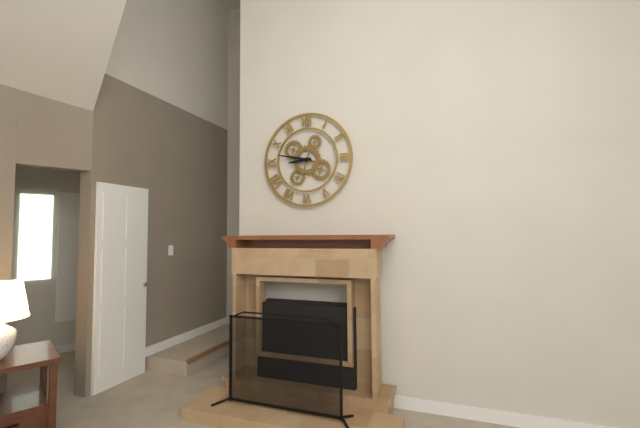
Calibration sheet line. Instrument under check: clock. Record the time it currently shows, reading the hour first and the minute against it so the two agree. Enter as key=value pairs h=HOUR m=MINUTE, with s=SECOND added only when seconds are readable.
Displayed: h=8 m=47
